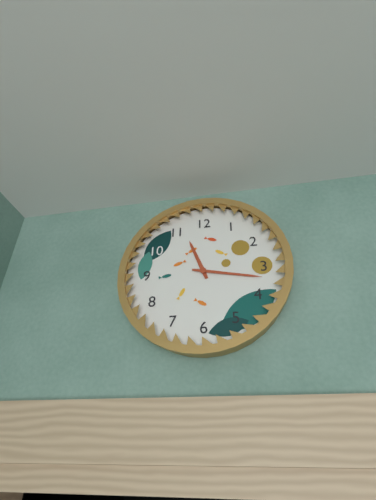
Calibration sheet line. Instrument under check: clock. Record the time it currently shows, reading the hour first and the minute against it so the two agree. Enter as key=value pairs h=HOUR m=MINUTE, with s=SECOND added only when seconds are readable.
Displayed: h=11 m=17
